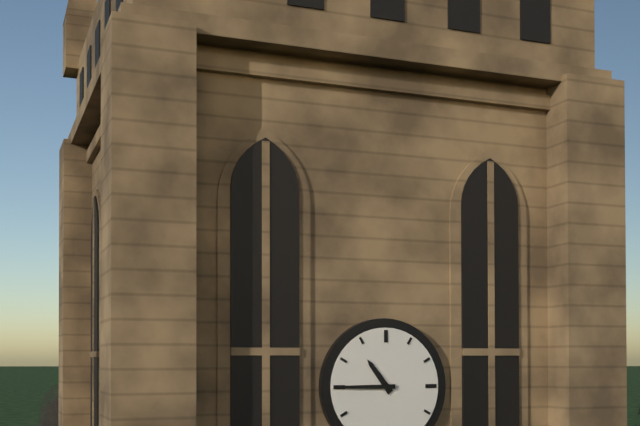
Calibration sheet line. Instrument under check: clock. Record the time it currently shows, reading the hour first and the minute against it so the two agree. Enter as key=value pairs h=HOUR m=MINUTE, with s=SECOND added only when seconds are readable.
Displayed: h=10 m=45
